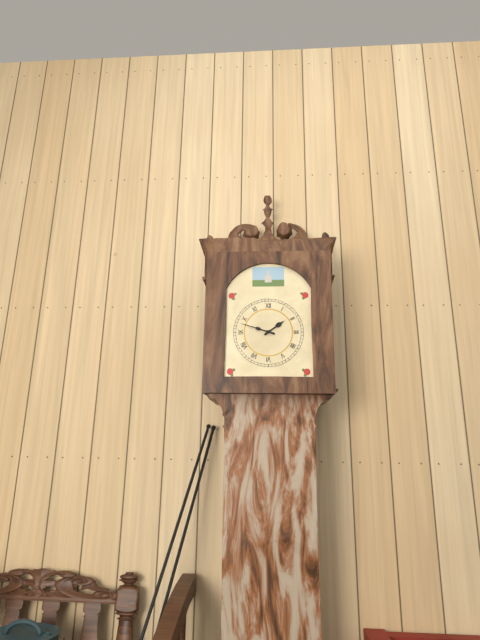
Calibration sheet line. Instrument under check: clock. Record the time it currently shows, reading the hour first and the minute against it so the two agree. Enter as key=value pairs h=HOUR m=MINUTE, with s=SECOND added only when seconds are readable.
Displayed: h=1 m=48
